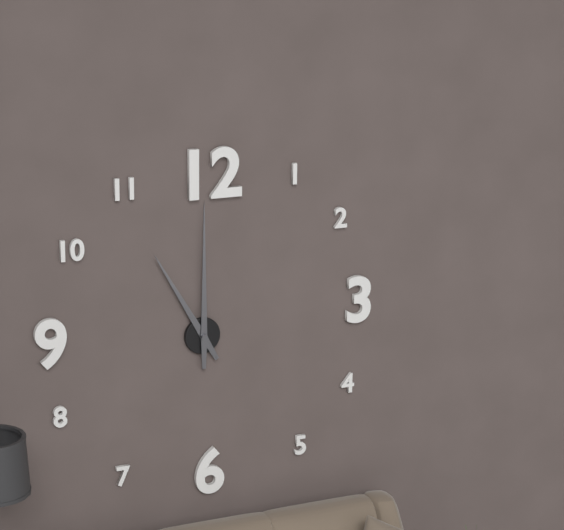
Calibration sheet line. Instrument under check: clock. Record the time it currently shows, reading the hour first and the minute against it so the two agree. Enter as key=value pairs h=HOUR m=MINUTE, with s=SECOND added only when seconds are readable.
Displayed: h=11 m=0
